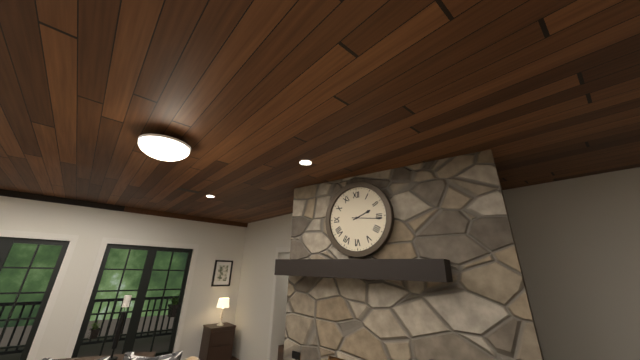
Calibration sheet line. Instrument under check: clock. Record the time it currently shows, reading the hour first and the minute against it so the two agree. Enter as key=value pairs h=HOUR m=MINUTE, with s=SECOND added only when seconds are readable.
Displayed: h=2 m=16
